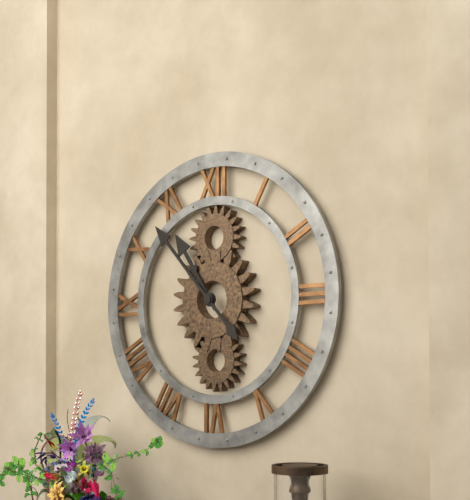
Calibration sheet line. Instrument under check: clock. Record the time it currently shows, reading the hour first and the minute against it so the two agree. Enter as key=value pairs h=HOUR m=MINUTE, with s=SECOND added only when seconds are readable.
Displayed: h=10 m=53
